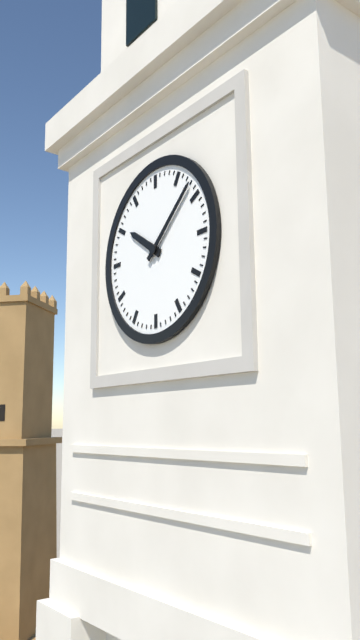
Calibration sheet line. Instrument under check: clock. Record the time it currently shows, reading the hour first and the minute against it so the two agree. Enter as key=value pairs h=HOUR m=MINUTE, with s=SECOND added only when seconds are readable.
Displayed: h=10 m=8
